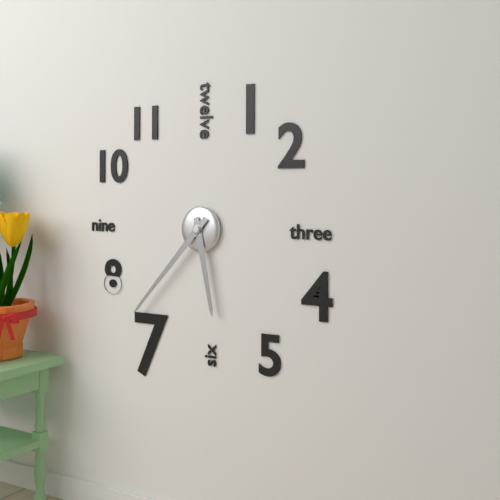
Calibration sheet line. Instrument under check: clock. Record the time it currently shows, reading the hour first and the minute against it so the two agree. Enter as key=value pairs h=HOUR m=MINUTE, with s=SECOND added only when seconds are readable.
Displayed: h=5 m=37
